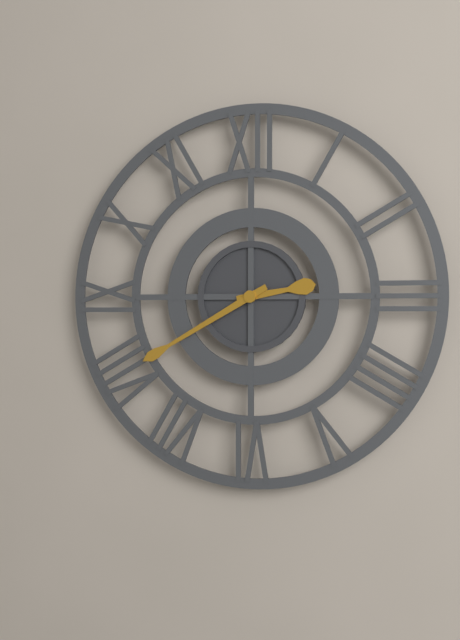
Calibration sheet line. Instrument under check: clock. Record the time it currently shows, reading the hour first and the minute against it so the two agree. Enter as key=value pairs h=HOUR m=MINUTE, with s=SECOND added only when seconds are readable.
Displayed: h=2 m=40
